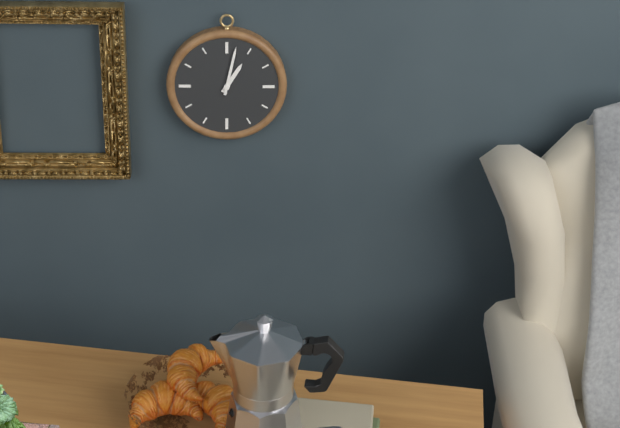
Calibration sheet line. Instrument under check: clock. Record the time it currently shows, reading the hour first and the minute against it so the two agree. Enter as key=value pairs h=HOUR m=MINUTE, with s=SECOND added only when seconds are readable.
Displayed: h=1 m=2
